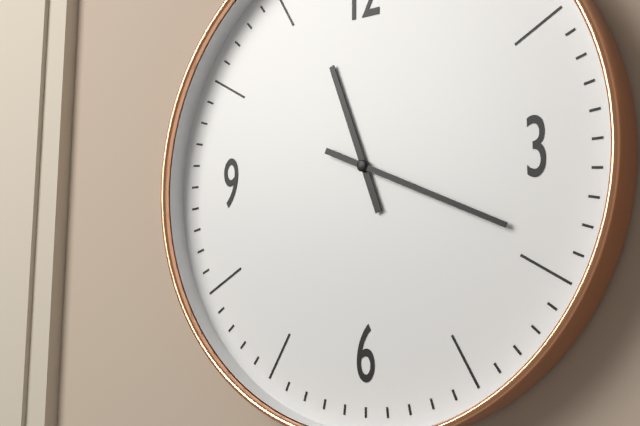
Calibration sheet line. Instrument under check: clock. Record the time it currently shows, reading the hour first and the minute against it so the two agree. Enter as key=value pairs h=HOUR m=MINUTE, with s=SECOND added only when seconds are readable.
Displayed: h=11 m=19
